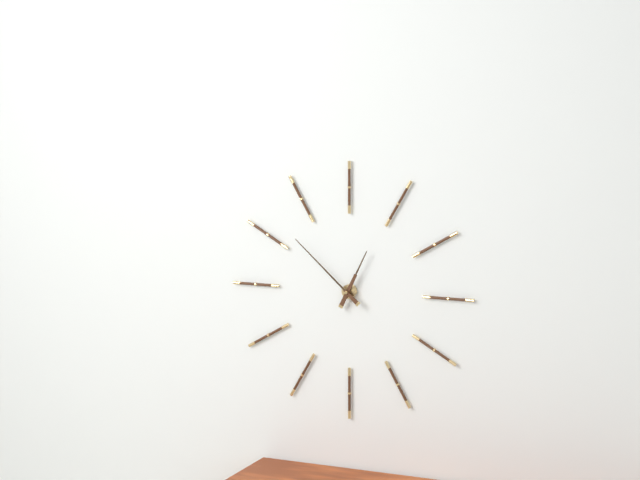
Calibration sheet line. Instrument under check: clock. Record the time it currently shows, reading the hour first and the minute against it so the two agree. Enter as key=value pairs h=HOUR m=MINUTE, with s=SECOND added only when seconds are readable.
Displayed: h=12 m=52
